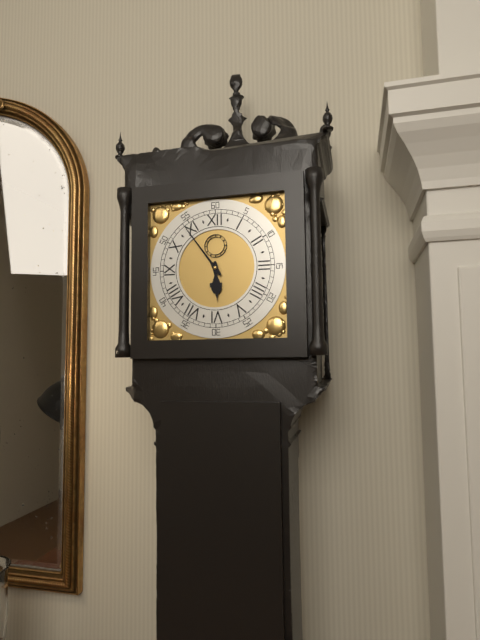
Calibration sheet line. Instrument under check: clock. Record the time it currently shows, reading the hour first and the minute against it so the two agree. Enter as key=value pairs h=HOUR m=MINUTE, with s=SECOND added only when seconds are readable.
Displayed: h=5 m=54
